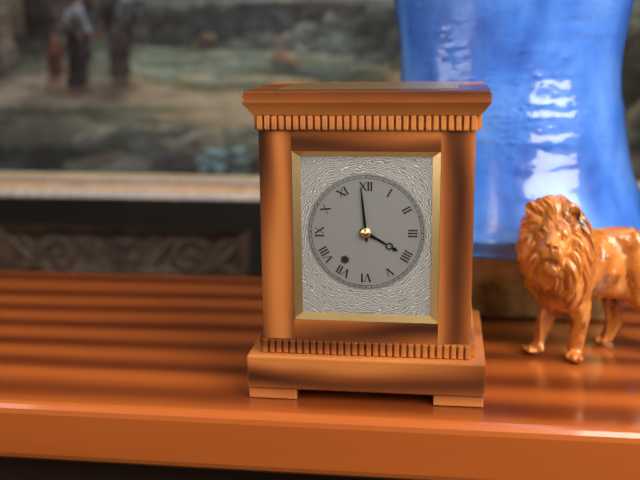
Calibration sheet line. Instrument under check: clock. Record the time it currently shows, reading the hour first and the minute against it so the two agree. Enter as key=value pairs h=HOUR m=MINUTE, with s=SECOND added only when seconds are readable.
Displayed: h=3 m=59
